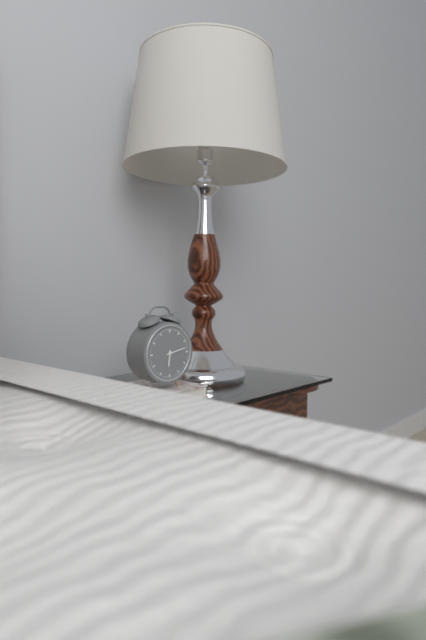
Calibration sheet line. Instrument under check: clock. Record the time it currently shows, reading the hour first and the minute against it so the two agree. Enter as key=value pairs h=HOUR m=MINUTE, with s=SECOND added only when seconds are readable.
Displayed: h=6 m=13
